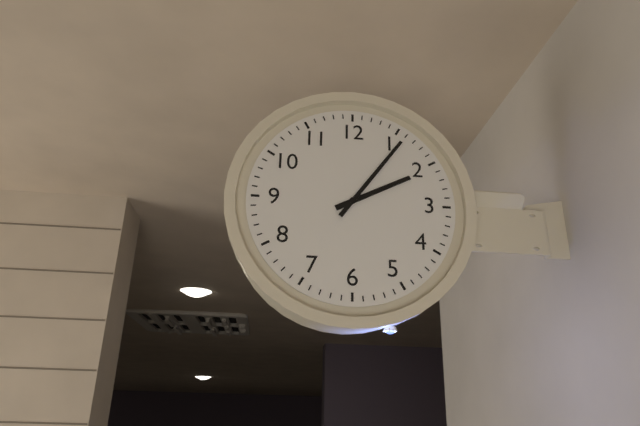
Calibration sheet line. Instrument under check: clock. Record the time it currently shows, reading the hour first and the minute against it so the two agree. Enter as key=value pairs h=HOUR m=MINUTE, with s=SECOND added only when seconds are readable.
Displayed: h=2 m=6
